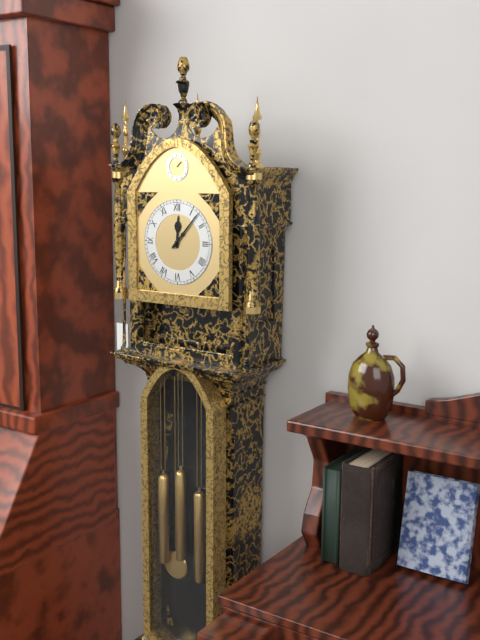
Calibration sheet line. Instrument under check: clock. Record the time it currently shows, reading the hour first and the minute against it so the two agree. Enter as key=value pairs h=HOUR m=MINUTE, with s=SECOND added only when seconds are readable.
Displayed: h=12 m=7
